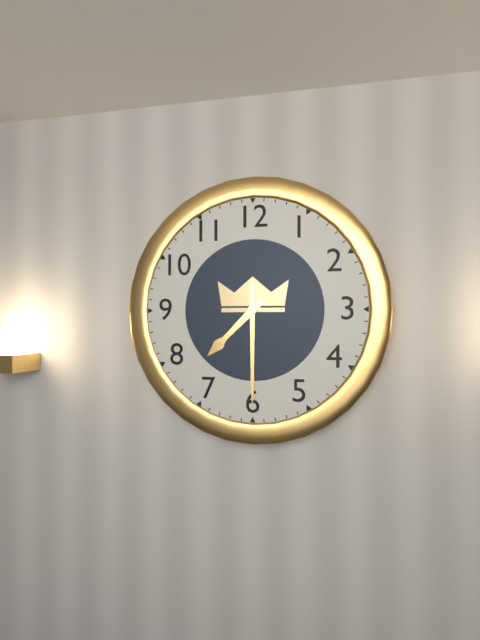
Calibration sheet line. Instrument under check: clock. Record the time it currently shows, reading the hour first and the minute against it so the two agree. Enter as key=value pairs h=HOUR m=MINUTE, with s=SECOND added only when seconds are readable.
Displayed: h=7 m=30
